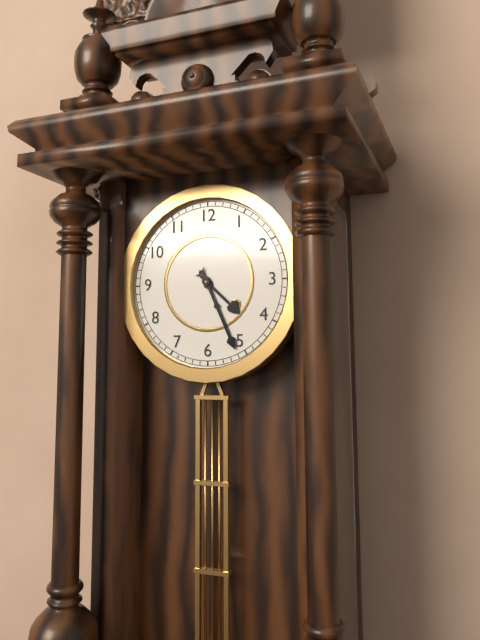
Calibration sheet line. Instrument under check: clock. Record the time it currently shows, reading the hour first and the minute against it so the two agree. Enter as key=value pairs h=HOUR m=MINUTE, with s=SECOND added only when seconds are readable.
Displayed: h=4 m=26
